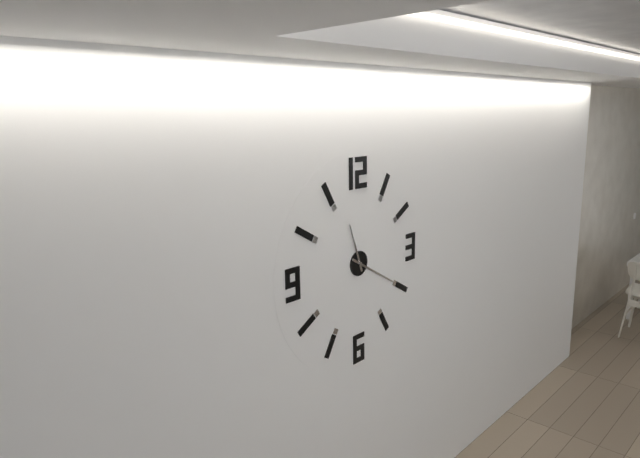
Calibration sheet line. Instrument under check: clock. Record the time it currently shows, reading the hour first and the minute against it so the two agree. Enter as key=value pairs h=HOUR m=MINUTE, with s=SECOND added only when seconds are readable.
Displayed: h=11 m=20
